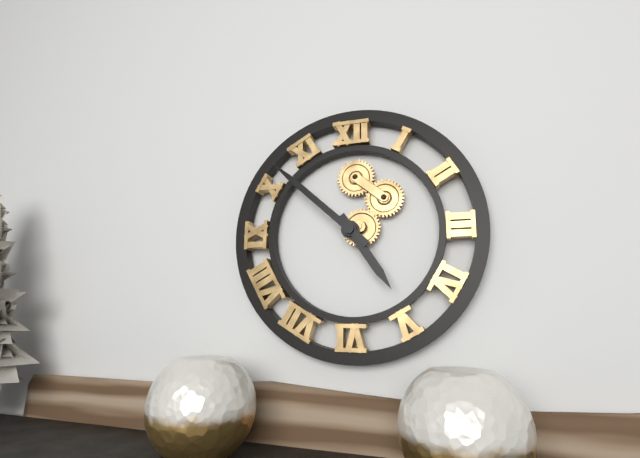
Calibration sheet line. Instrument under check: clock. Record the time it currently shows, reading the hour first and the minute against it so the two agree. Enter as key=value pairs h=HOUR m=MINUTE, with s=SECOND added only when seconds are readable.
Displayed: h=4 m=52
